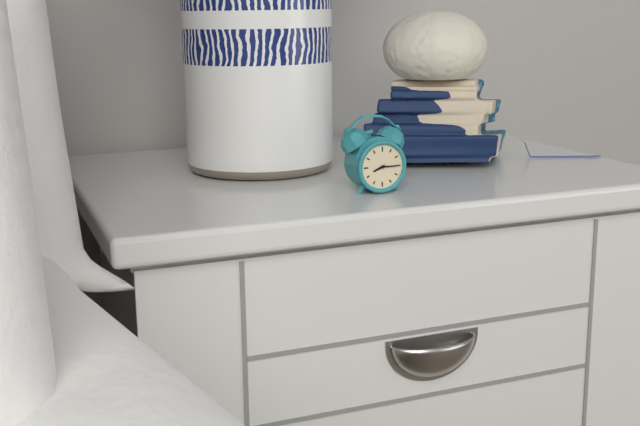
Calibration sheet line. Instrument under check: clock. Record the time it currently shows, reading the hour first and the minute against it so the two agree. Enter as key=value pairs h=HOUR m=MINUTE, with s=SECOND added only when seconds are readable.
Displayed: h=8 m=15
